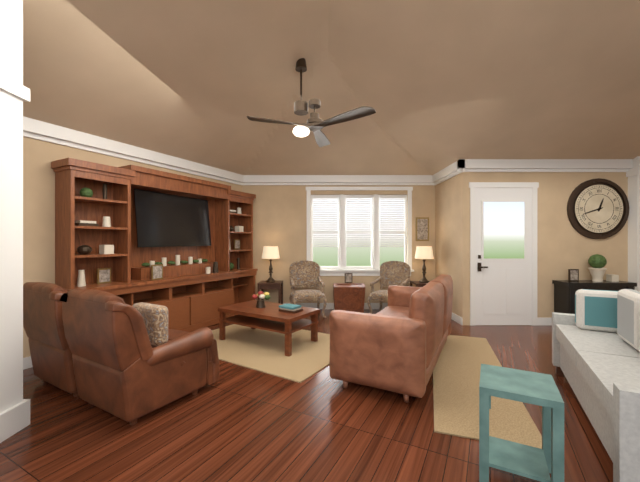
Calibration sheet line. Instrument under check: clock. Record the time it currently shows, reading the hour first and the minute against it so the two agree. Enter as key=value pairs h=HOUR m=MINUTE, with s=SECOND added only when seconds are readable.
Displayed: h=12 m=42
